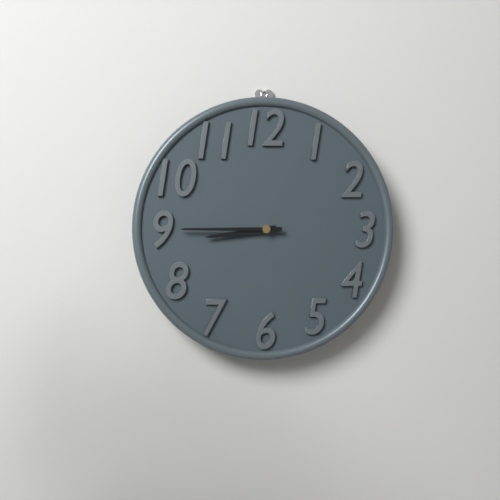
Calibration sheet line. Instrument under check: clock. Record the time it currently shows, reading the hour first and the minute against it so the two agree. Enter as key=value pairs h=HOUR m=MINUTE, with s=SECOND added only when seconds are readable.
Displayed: h=8 m=45
